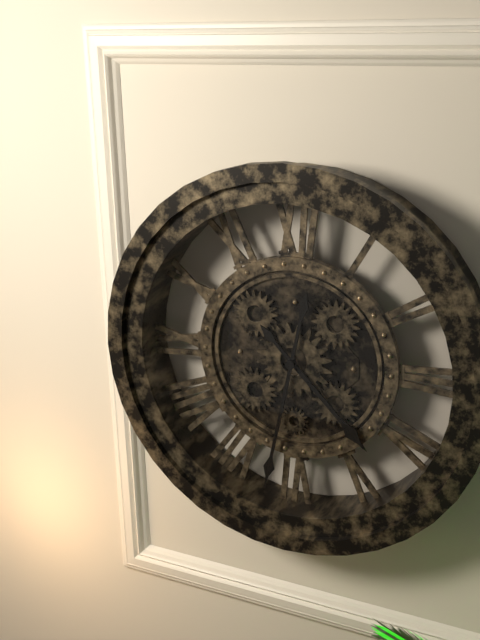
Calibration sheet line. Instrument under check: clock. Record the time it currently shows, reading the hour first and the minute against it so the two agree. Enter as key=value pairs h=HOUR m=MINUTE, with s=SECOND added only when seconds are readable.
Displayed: h=4 m=32
